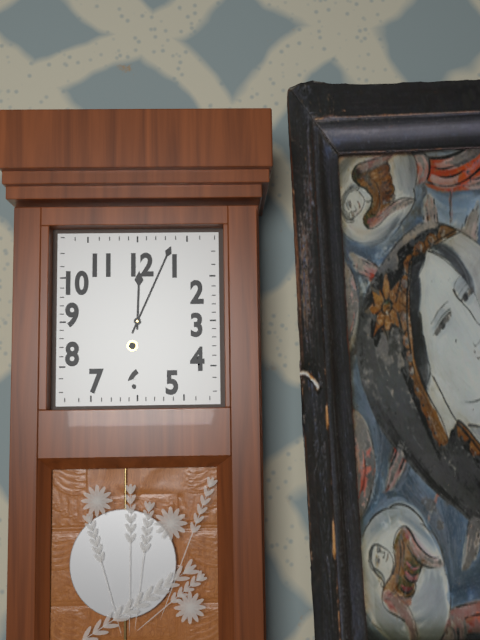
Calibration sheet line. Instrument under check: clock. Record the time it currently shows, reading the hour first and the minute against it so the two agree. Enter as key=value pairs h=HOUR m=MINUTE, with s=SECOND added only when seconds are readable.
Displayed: h=12 m=4
